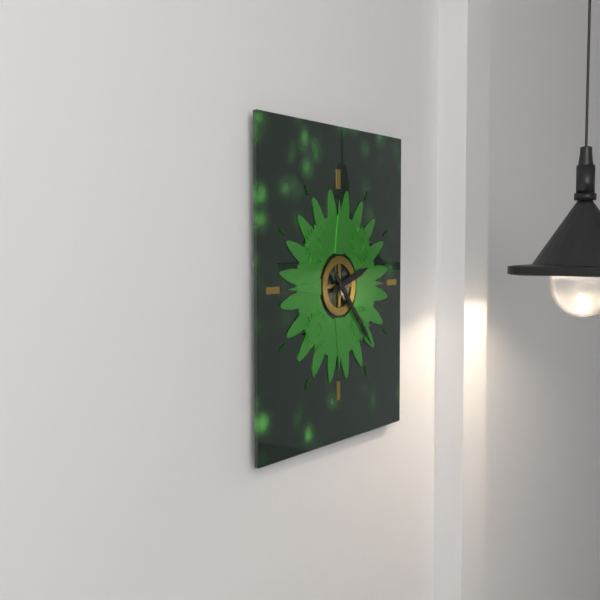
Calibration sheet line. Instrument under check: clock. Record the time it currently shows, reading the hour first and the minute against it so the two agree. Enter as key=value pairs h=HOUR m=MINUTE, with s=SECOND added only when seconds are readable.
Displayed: h=2 m=23
